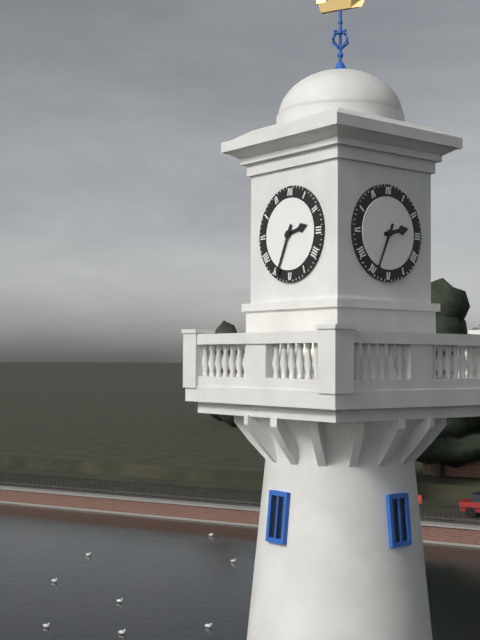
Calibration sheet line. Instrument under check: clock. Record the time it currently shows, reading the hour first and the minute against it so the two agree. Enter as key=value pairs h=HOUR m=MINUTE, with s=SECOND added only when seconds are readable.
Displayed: h=2 m=34
